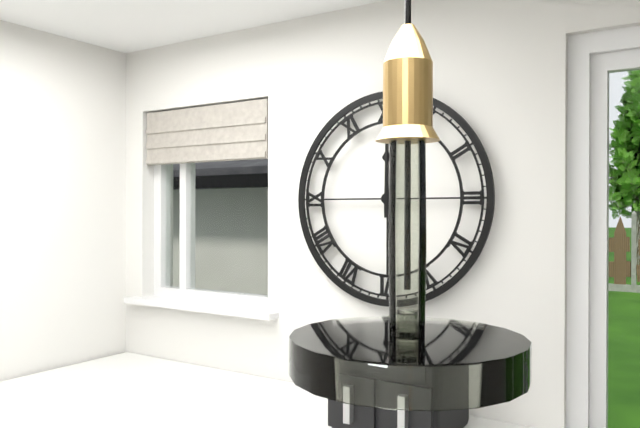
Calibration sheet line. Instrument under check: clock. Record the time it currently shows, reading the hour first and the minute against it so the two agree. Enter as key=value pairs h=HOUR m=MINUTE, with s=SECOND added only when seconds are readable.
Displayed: h=12 m=0
